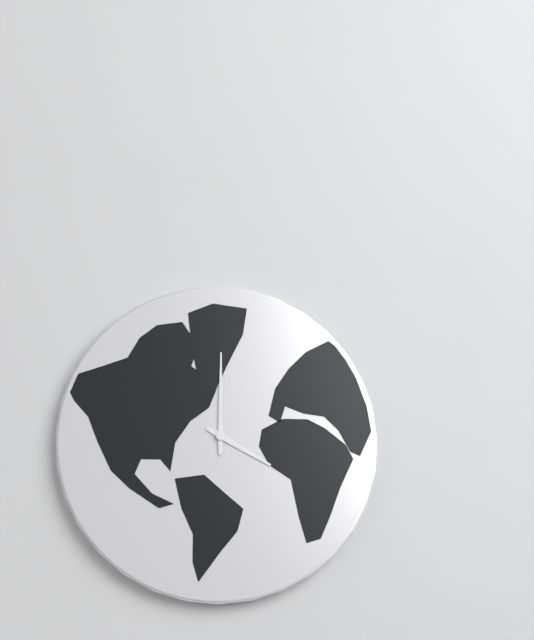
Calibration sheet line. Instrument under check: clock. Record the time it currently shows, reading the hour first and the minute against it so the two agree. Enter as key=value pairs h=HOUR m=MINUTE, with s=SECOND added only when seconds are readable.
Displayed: h=4 m=0
